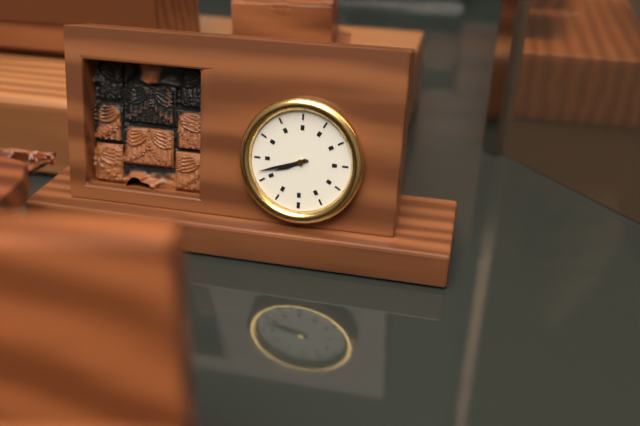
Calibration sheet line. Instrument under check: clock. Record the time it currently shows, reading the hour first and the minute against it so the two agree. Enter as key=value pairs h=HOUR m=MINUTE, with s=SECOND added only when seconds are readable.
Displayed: h=2 m=12
